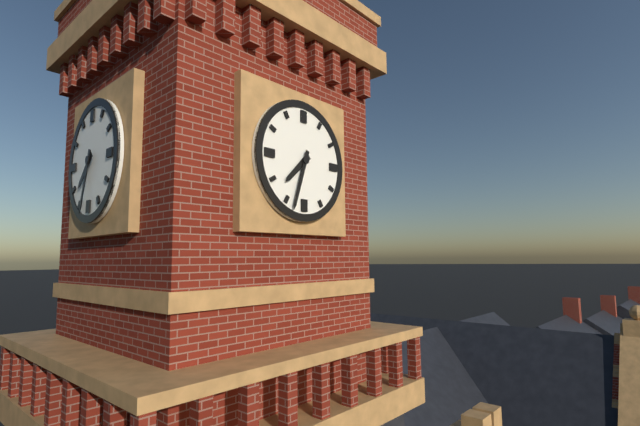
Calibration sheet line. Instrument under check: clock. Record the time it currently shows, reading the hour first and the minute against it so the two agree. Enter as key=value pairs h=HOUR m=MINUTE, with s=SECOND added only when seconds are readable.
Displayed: h=7 m=33
